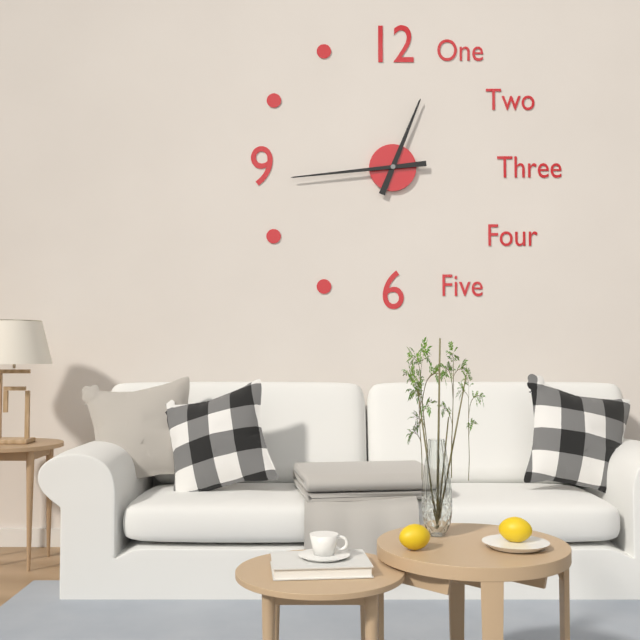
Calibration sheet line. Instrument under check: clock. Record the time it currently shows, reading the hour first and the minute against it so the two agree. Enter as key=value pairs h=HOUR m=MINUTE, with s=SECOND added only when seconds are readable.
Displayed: h=12 m=44
